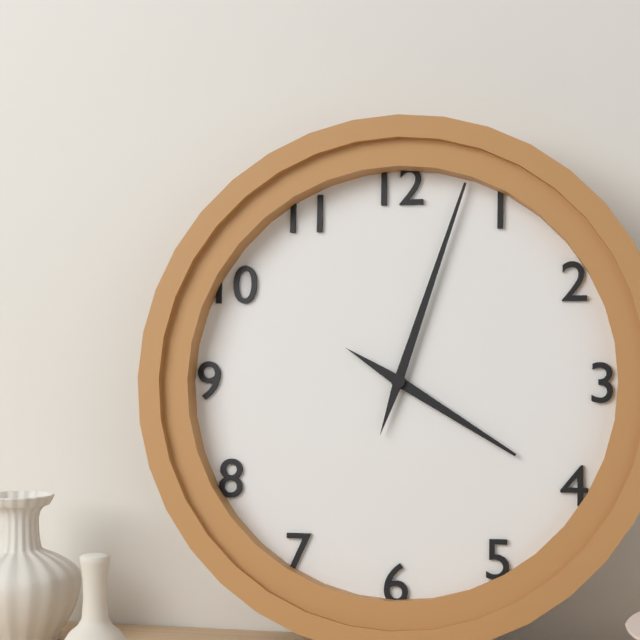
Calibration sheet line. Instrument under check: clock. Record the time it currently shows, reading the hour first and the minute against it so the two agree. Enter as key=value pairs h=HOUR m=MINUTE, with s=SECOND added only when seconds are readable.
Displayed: h=4 m=3
